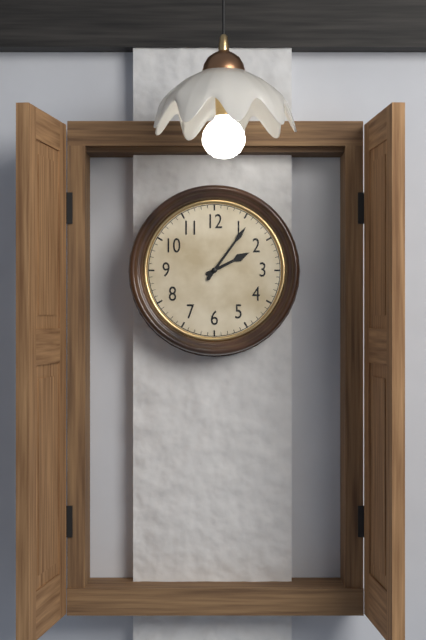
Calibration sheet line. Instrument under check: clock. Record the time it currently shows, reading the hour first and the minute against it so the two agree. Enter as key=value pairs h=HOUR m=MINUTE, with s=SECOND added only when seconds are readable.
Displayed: h=2 m=6
